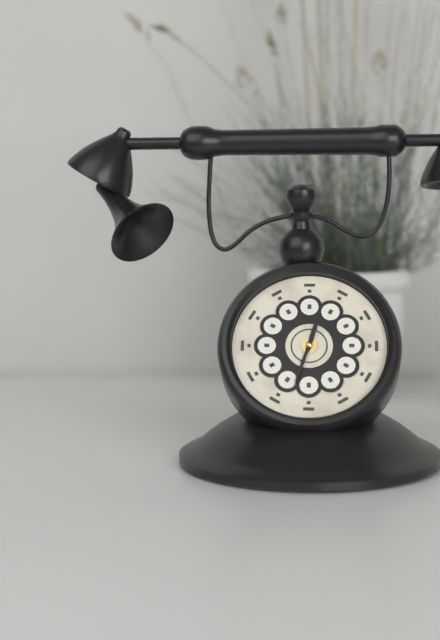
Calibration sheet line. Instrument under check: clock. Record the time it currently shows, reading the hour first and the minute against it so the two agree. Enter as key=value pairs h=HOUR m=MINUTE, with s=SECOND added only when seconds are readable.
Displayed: h=12 m=33
